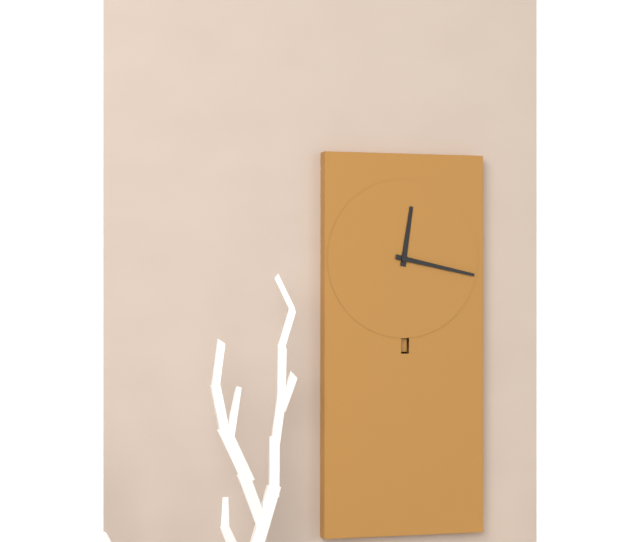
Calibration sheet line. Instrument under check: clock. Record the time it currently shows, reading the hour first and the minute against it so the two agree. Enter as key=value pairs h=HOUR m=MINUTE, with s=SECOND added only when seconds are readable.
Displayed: h=12 m=17
